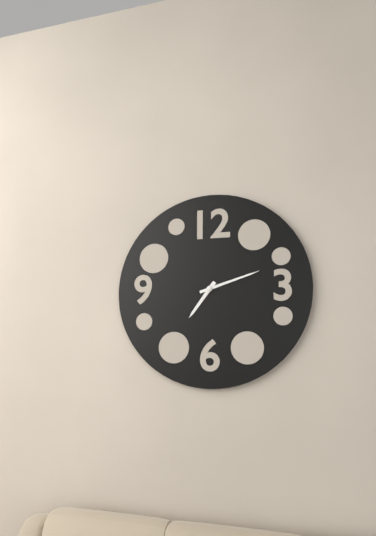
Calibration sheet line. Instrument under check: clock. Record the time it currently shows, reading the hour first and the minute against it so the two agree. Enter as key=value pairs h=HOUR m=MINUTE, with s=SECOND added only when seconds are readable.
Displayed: h=7 m=12
